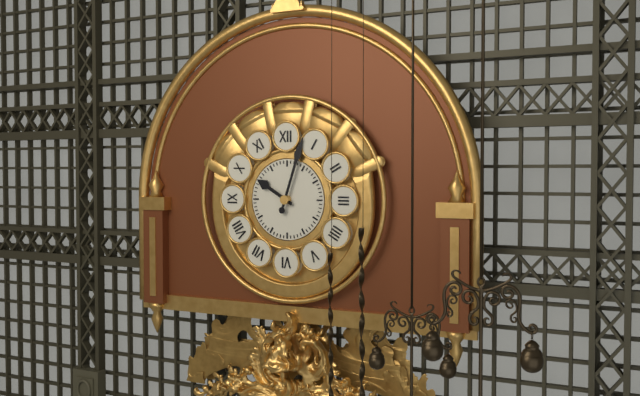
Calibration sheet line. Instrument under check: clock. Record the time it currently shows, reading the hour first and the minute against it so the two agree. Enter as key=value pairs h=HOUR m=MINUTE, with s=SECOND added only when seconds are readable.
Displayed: h=10 m=3
